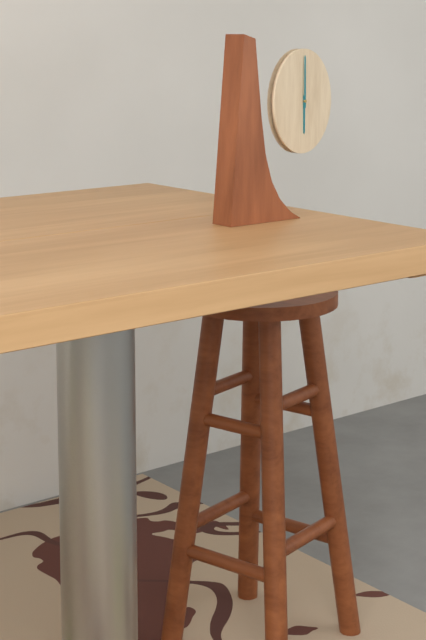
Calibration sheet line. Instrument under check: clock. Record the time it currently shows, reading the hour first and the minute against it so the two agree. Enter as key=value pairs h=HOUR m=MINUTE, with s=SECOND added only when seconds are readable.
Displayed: h=6 m=0
